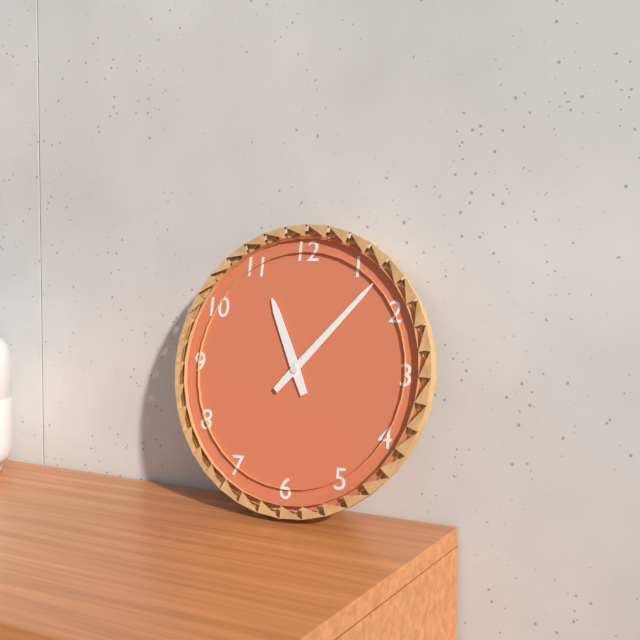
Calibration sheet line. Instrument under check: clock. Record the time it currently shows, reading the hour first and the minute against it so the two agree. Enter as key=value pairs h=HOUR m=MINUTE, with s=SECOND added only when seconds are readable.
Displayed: h=11 m=7
